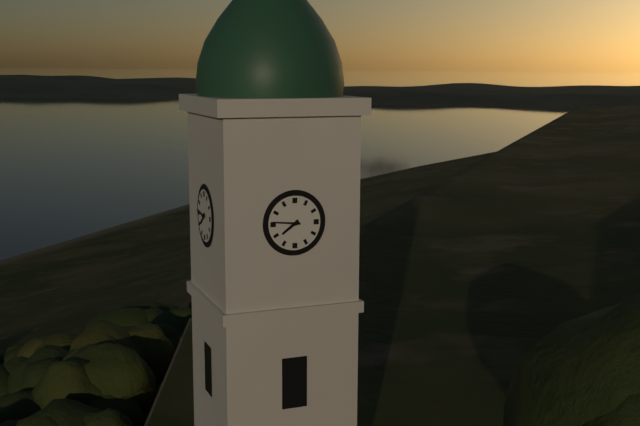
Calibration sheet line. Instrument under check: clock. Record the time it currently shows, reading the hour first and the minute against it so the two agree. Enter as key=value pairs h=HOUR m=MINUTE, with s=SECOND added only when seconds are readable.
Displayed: h=7 m=46
